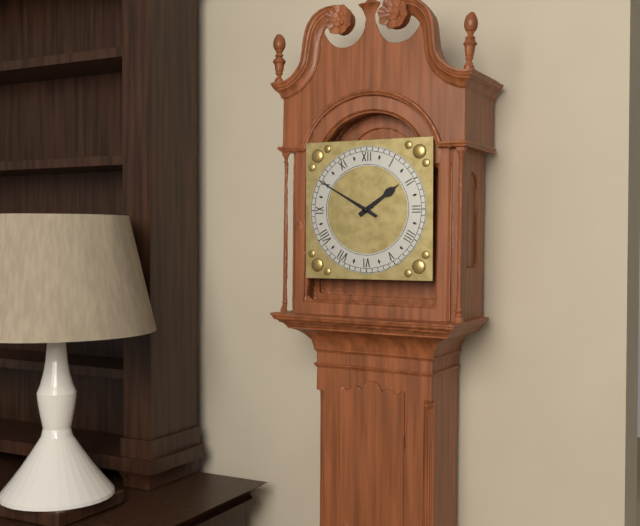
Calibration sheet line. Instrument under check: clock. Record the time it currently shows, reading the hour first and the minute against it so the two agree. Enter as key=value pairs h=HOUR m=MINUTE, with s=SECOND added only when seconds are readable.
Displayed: h=1 m=50
